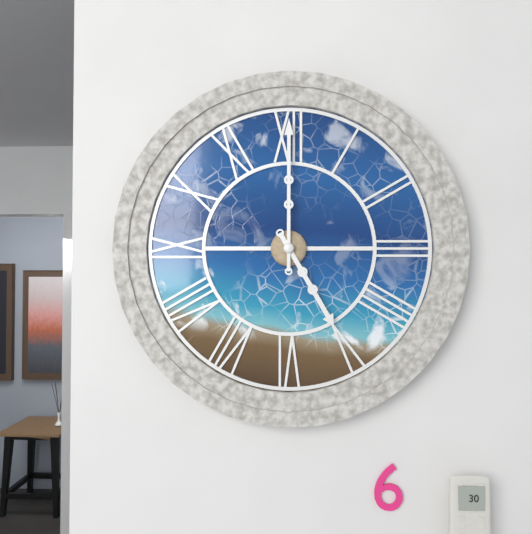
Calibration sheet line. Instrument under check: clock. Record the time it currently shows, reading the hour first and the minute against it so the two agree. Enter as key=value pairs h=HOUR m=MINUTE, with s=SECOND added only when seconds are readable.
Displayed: h=5 m=0
